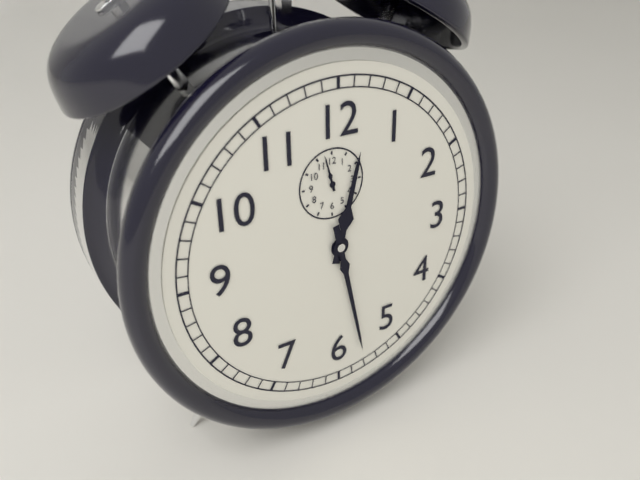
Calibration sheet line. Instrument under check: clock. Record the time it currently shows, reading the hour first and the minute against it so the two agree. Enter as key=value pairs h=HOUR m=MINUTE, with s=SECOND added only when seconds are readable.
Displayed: h=12 m=28
